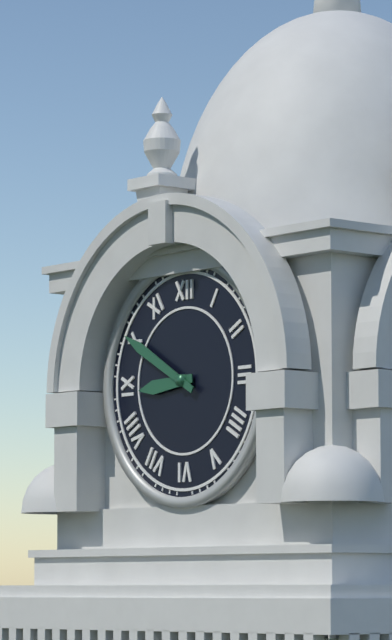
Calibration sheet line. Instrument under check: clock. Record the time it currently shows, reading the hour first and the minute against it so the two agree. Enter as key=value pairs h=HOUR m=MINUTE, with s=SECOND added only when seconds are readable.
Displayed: h=8 m=50
